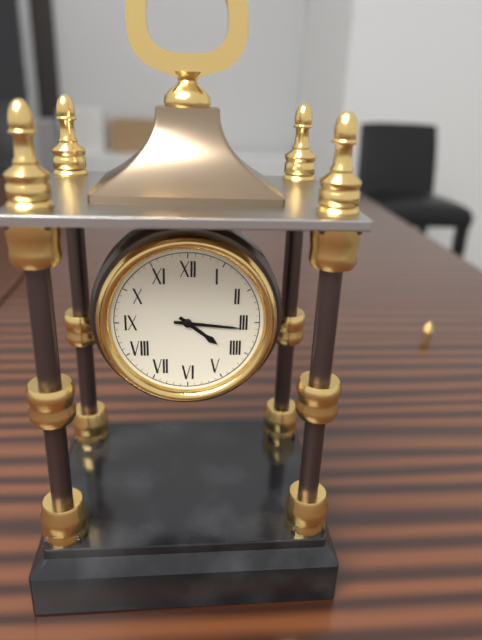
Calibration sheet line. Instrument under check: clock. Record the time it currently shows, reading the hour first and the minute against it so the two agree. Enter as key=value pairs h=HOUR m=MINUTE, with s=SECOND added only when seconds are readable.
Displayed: h=4 m=16
